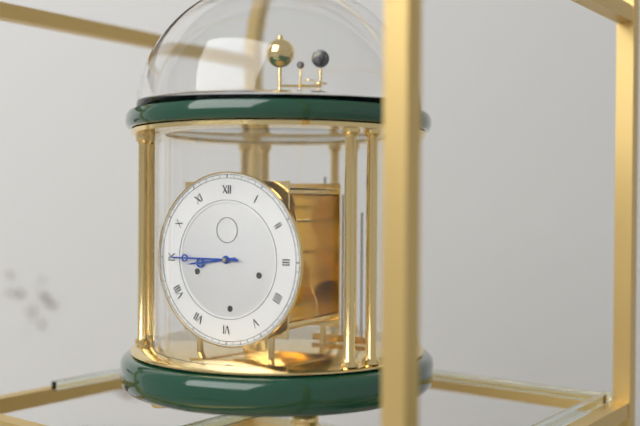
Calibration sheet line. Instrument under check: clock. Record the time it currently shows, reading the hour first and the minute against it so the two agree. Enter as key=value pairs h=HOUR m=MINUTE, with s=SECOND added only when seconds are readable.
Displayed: h=8 m=45
